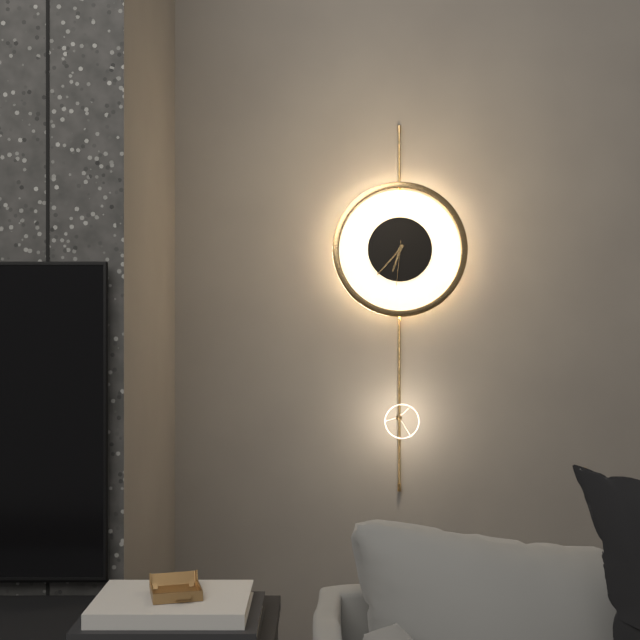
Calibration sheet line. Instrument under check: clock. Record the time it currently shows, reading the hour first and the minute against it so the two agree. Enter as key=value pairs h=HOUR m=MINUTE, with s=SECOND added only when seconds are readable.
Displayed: h=6 m=37
